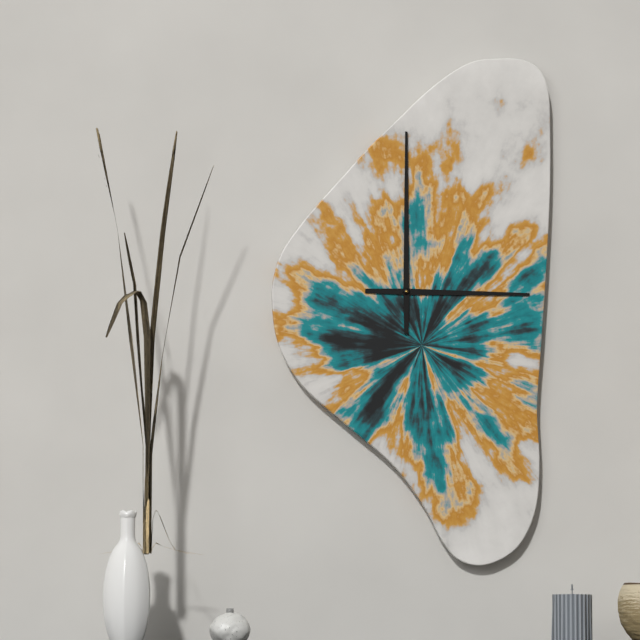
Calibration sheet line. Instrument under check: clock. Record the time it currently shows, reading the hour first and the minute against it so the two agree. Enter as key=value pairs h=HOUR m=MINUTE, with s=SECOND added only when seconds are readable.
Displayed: h=3 m=0
